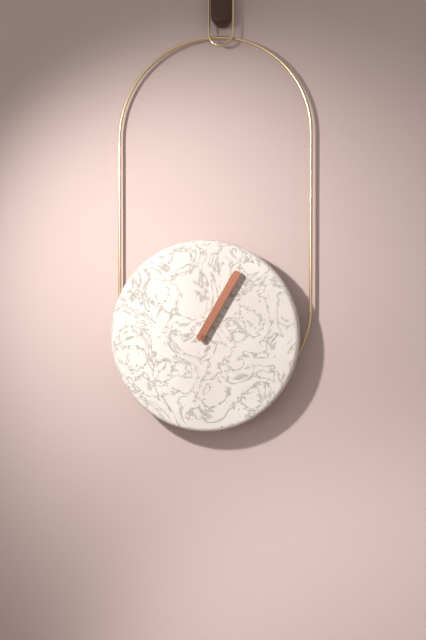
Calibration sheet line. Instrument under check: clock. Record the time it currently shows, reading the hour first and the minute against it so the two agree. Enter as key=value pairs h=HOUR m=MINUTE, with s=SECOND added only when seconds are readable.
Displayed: h=1 m=5
